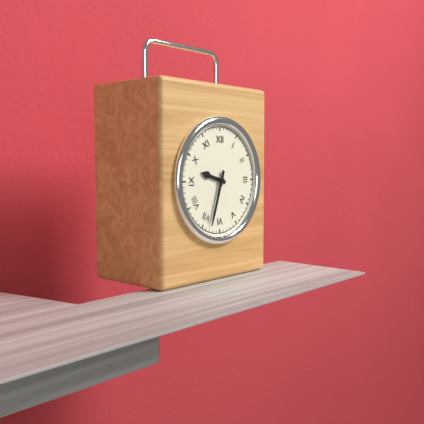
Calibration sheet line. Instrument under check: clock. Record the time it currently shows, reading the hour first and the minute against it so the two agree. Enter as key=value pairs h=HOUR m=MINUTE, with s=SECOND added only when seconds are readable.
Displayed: h=9 m=33
